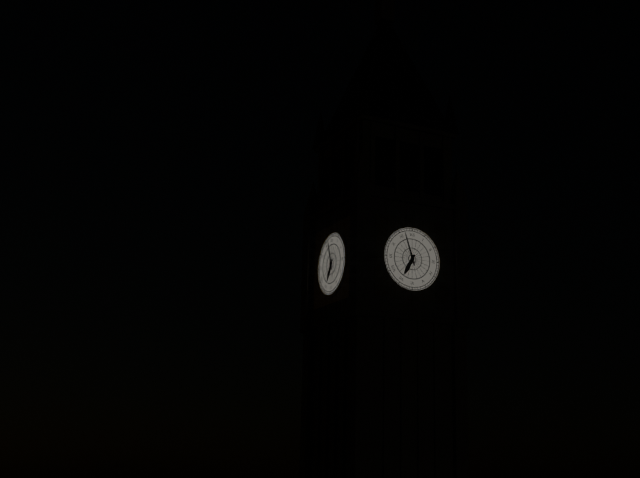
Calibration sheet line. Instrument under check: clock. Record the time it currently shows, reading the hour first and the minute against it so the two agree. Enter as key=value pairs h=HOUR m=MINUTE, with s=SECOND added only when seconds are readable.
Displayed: h=6 m=57
